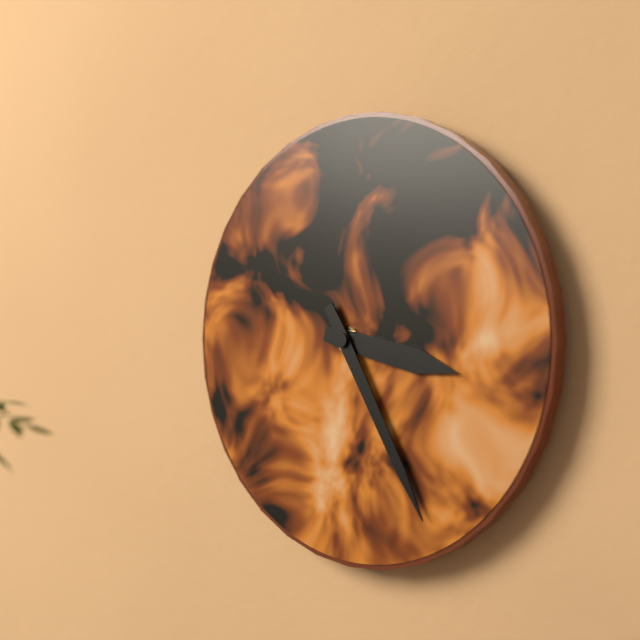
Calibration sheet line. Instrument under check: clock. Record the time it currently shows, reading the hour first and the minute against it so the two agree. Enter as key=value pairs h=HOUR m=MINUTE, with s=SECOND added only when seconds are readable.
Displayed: h=3 m=25
